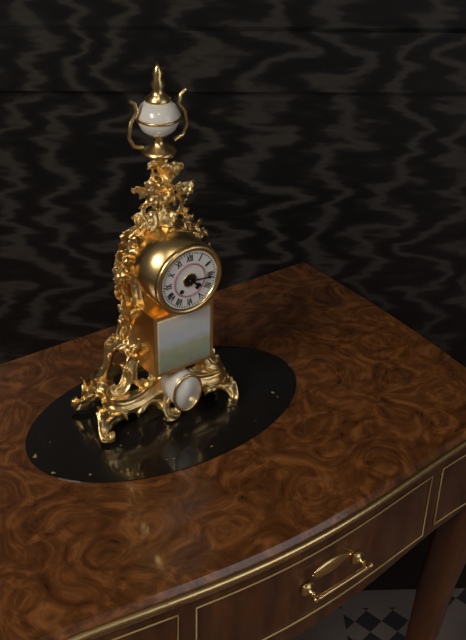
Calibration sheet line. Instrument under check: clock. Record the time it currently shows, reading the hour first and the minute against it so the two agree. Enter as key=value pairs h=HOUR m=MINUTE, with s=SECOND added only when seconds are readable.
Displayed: h=4 m=16
